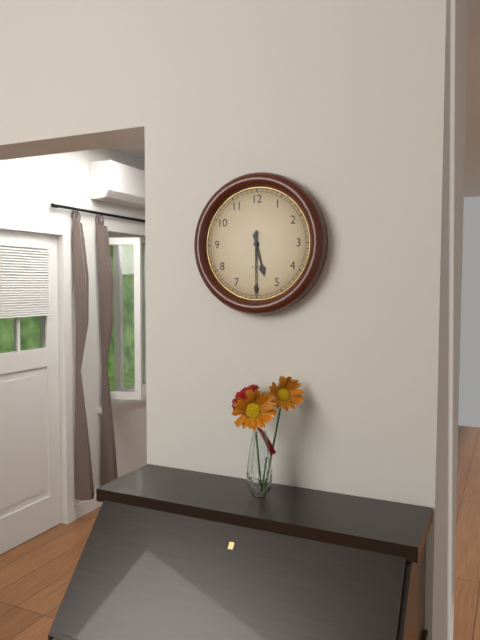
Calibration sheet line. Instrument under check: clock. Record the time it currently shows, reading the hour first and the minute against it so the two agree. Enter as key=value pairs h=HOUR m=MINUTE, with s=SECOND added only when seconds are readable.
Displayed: h=5 m=30
